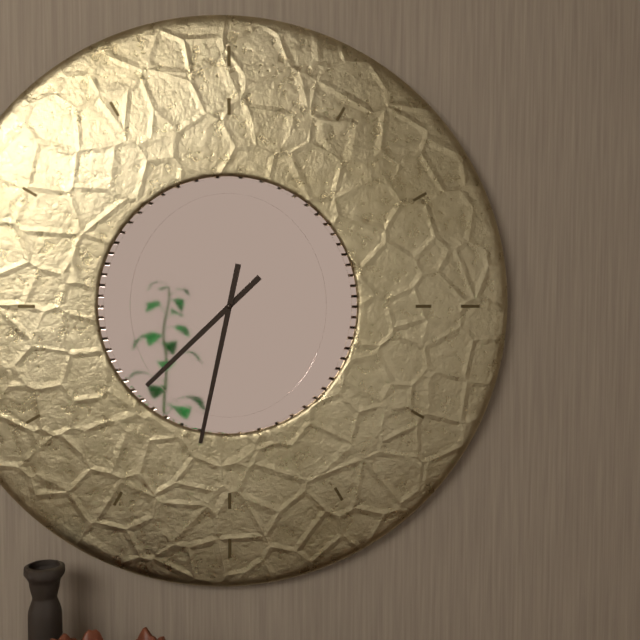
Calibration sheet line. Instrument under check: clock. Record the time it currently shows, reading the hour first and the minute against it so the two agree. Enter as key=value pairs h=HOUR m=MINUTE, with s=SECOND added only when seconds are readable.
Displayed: h=7 m=32
